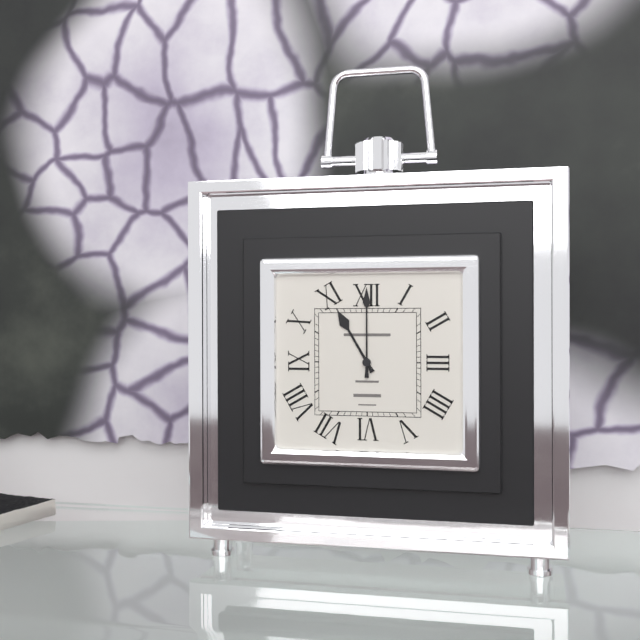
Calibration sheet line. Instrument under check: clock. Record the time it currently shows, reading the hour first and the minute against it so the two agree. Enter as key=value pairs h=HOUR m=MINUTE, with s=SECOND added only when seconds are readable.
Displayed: h=11 m=0
